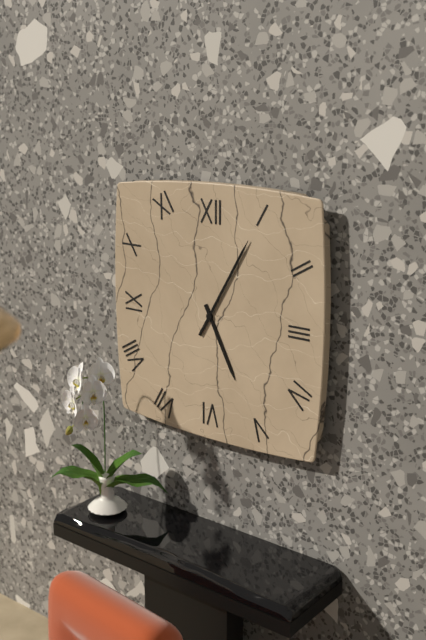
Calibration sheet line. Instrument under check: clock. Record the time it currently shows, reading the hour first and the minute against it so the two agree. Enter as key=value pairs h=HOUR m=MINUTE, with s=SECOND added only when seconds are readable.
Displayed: h=5 m=5
